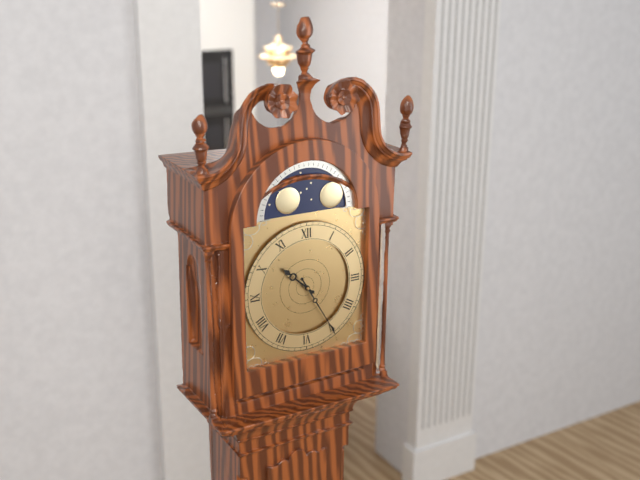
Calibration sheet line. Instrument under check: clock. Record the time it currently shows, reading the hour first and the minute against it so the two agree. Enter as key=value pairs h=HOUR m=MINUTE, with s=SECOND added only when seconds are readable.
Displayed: h=10 m=25
